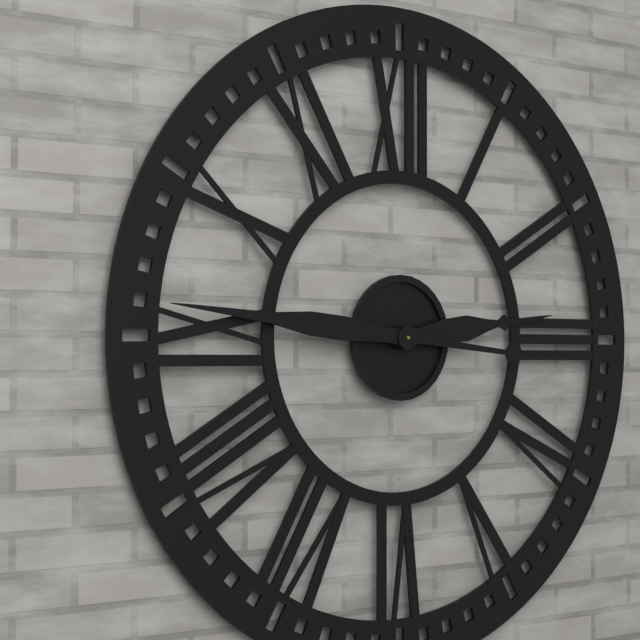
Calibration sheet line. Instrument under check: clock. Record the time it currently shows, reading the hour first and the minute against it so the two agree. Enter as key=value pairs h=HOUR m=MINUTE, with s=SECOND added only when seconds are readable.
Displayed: h=2 m=46
